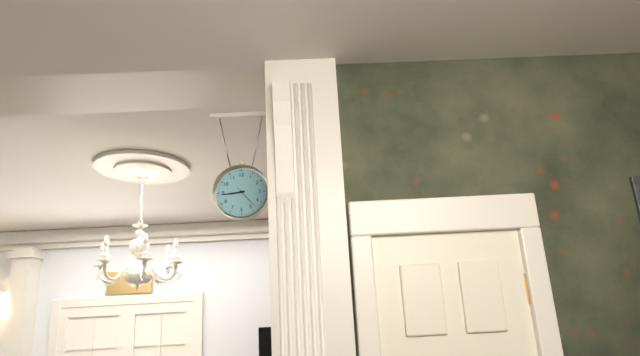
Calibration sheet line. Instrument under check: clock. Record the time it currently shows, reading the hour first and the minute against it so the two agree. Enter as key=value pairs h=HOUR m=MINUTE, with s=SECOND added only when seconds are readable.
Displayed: h=8 m=44
